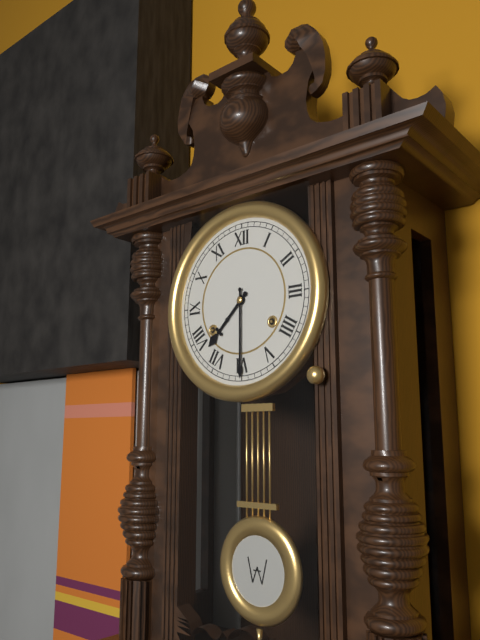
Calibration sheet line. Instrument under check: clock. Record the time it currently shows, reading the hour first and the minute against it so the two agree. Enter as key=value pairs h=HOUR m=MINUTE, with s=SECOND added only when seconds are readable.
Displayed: h=7 m=30
